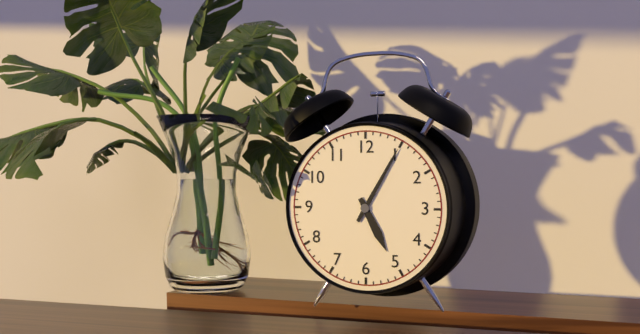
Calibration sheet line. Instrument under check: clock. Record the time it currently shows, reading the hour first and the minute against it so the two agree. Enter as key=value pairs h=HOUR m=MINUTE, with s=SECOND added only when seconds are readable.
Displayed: h=5 m=5
